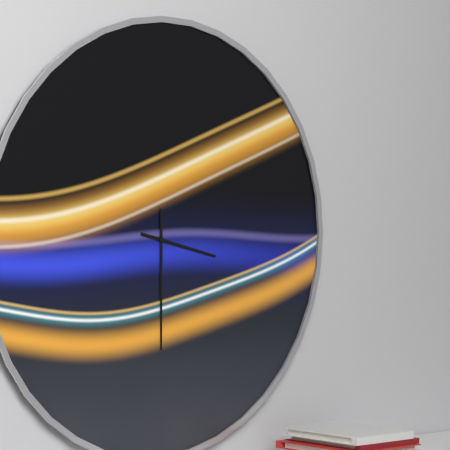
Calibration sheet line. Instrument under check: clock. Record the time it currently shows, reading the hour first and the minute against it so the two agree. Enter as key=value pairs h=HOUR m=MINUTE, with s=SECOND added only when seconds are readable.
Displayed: h=3 m=30
